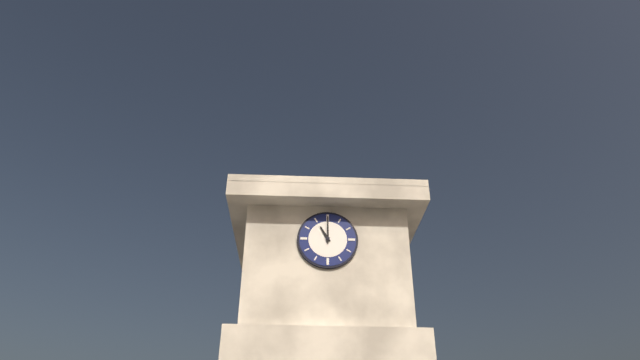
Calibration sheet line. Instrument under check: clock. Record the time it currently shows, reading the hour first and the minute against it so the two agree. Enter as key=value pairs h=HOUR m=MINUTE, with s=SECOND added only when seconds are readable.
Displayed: h=11 m=0
